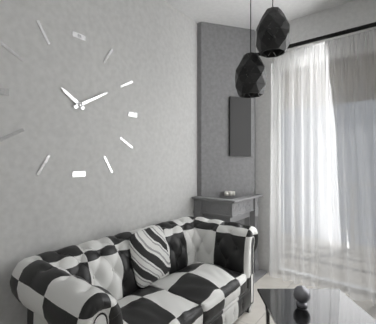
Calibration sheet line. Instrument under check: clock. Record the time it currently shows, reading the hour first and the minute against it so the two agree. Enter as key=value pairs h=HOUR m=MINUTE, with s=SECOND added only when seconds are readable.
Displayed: h=10 m=10
